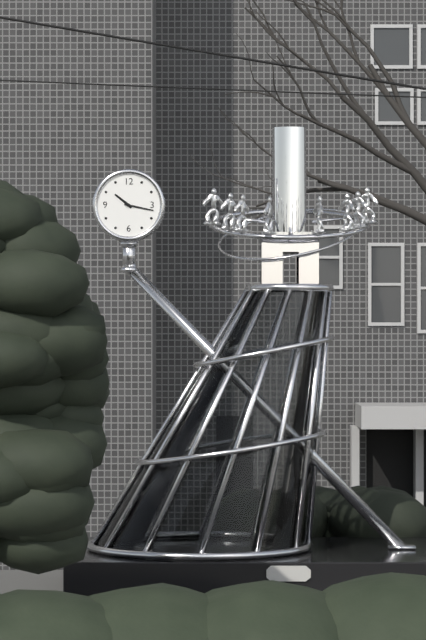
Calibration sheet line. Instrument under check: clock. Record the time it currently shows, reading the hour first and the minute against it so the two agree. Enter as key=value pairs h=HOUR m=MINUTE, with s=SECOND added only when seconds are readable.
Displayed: h=10 m=17
